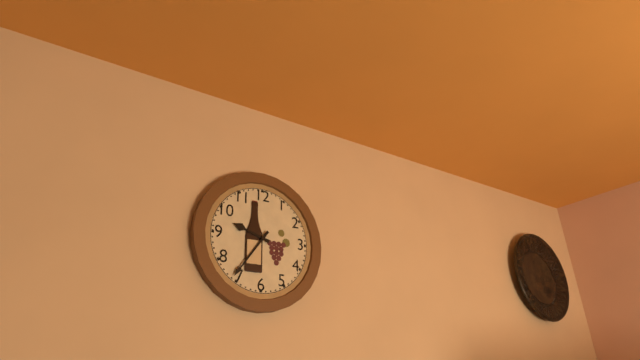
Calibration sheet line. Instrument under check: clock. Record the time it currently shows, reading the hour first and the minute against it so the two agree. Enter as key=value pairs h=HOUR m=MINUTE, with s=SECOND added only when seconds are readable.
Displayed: h=9 m=36
